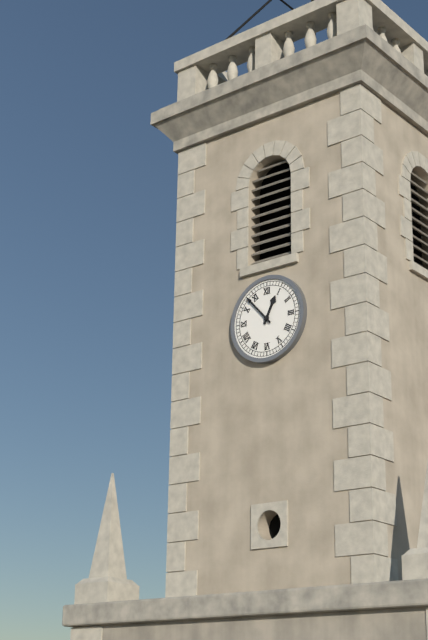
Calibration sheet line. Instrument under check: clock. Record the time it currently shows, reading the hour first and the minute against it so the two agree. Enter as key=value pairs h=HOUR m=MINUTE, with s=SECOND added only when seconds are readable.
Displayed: h=12 m=53
